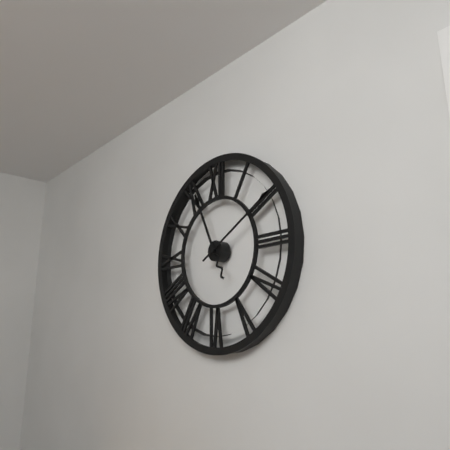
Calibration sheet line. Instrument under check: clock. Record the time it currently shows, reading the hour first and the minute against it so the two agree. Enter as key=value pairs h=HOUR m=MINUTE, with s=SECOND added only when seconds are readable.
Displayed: h=11 m=10
